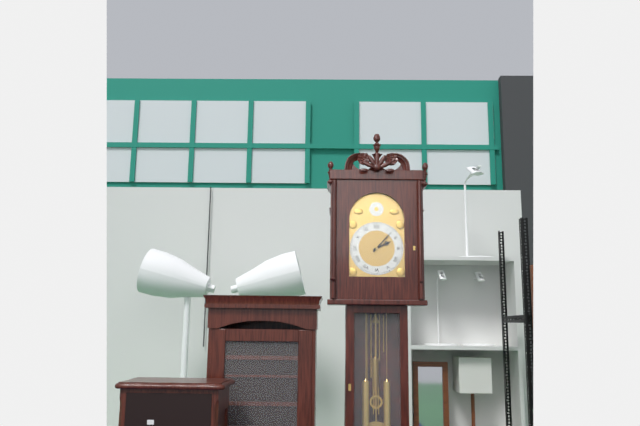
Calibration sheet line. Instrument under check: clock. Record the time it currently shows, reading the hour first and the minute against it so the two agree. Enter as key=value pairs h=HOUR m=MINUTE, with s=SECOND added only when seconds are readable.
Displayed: h=2 m=7
